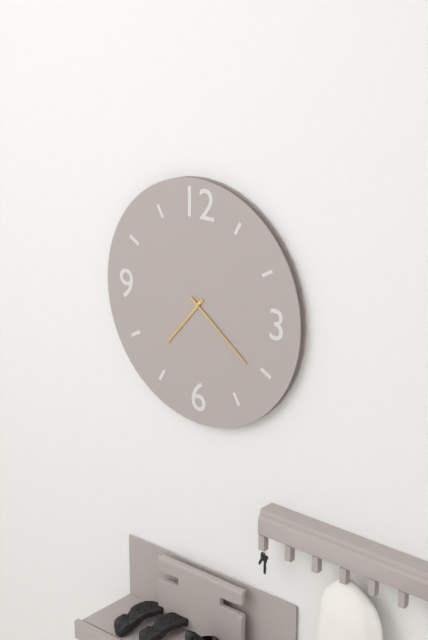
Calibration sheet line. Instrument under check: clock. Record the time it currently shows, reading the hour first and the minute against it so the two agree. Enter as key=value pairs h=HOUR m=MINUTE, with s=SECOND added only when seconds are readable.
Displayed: h=7 m=21
